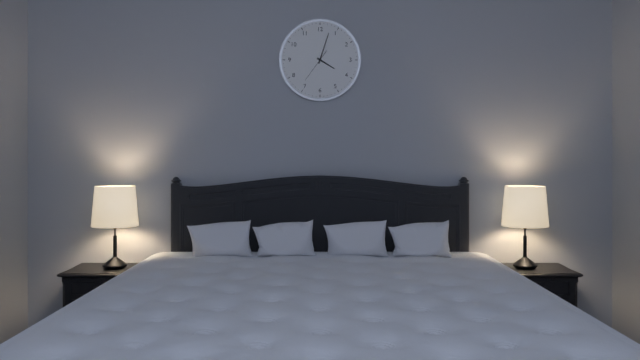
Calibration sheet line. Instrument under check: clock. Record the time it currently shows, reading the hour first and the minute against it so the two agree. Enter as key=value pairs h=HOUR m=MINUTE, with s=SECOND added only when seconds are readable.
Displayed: h=4 m=3
